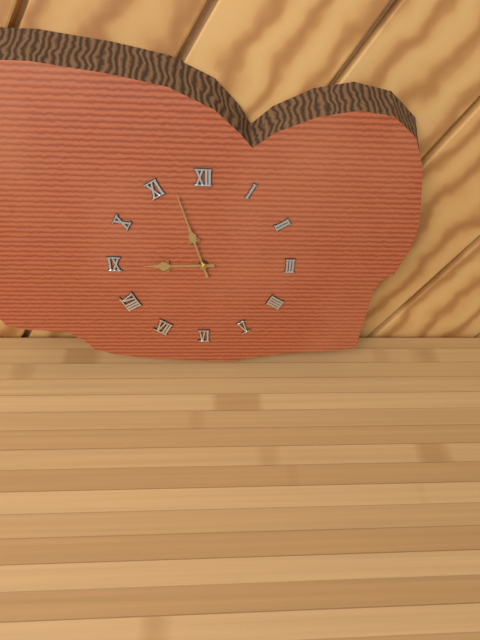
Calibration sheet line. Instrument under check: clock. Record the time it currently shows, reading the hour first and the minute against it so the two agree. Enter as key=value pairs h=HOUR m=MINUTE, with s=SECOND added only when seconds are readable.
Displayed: h=8 m=57
